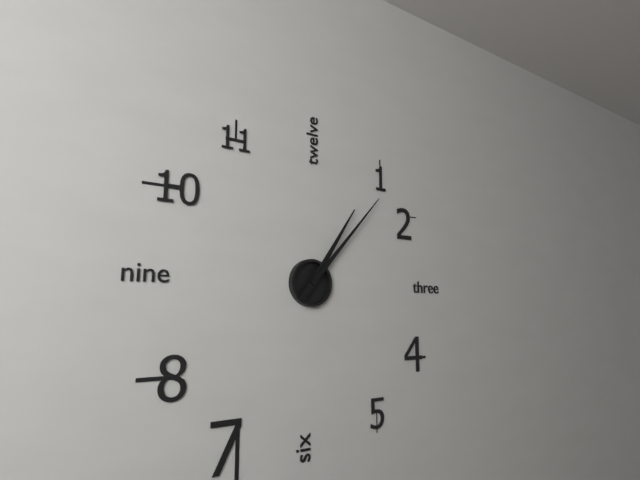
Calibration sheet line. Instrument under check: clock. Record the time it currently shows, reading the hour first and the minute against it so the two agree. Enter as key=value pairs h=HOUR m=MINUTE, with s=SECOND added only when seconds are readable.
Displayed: h=1 m=7
